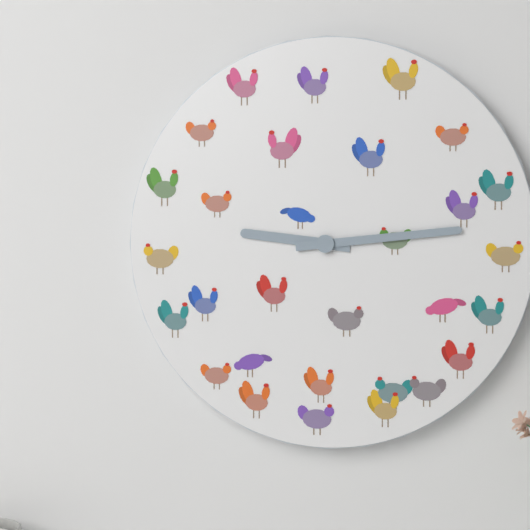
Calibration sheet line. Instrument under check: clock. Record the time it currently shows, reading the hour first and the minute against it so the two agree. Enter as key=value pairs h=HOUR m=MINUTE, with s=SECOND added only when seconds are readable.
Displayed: h=9 m=14
